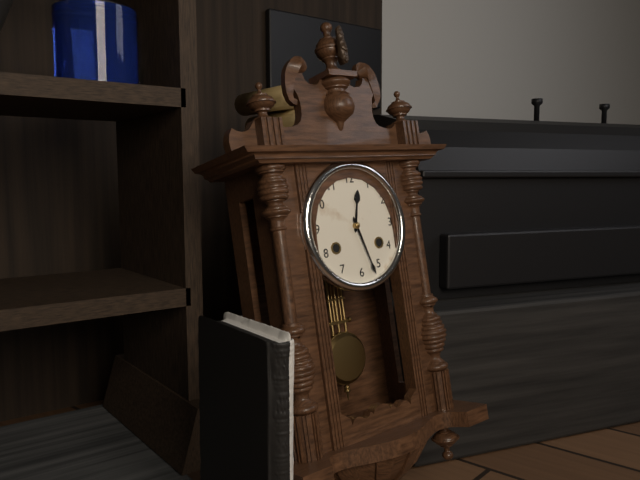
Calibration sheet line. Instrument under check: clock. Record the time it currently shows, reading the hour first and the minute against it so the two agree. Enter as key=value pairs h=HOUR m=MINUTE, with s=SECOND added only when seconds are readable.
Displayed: h=12 m=27
